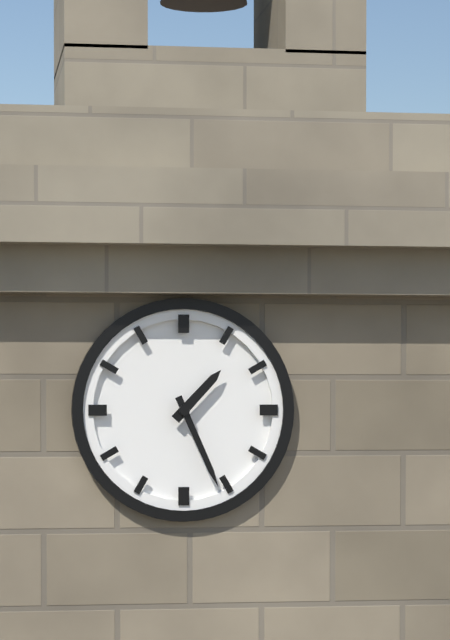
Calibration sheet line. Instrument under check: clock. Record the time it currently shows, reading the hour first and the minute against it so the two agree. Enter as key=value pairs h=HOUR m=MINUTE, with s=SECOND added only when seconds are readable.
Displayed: h=1 m=26
